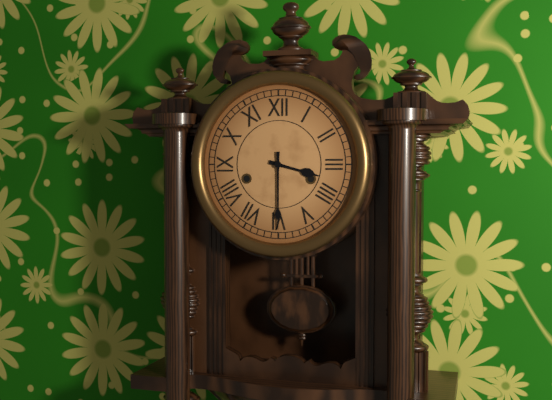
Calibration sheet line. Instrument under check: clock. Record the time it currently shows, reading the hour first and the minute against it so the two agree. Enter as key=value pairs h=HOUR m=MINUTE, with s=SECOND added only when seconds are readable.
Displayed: h=3 m=30
